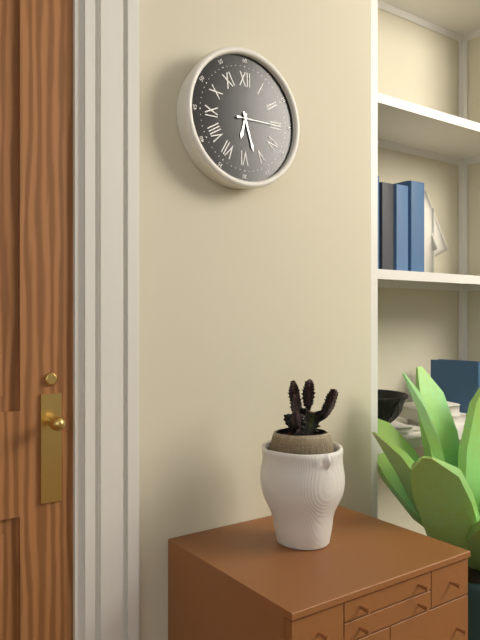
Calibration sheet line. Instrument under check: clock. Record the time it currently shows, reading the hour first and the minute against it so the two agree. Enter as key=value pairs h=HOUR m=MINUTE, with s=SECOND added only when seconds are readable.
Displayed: h=6 m=27
